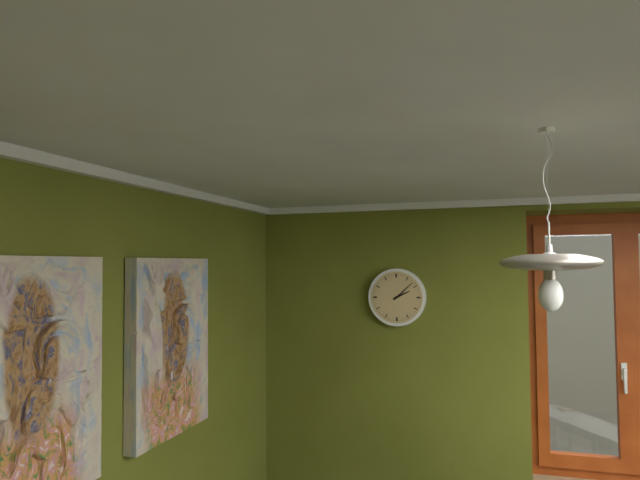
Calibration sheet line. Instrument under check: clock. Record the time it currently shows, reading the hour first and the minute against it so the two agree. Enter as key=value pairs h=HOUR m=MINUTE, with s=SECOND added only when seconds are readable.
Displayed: h=2 m=8
